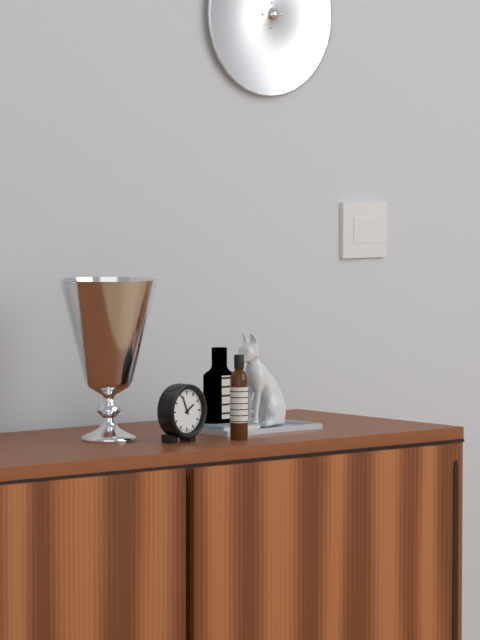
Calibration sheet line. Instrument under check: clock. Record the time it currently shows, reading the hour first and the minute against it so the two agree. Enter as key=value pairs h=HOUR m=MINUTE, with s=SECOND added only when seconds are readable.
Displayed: h=1 m=56
